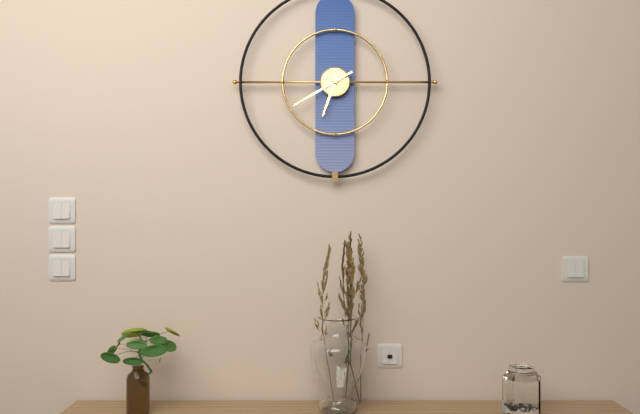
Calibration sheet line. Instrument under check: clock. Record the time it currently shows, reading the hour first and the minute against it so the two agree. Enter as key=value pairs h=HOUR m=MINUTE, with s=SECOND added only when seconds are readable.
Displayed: h=6 m=40
